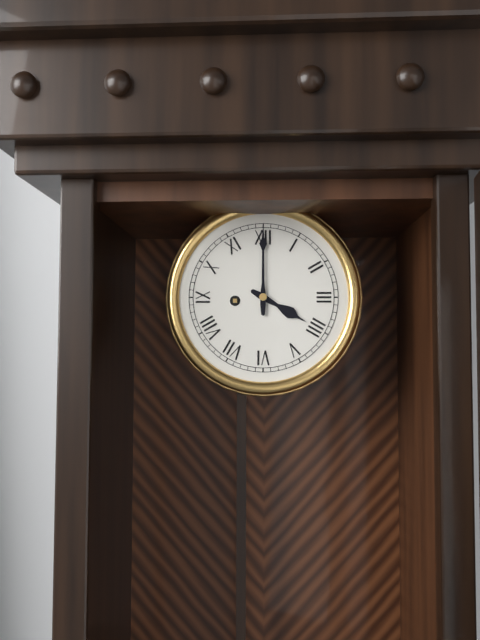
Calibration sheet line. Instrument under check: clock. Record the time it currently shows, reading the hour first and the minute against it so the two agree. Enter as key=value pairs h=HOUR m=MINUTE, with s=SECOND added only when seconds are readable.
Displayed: h=4 m=0
